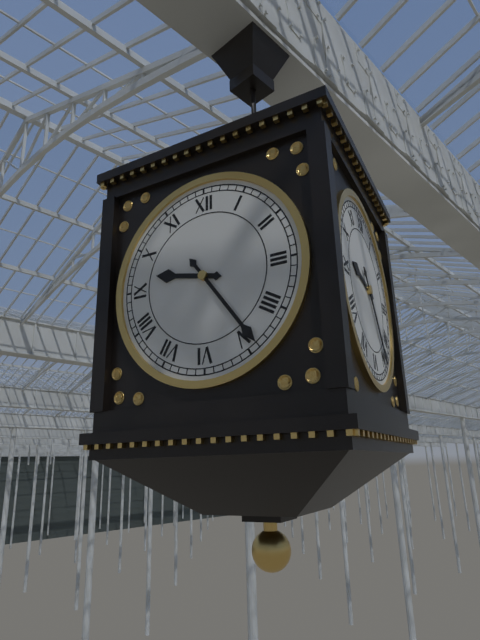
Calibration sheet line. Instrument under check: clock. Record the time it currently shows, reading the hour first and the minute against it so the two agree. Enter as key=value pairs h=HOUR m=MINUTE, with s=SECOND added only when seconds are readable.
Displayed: h=9 m=24
